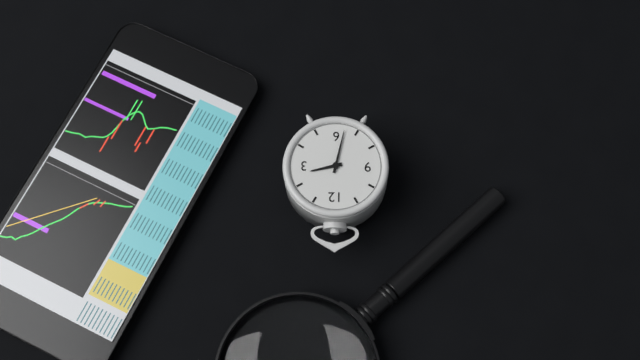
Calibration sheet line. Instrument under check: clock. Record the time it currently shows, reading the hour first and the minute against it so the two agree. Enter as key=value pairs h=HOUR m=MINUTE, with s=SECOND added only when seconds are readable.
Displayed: h=2 m=32
